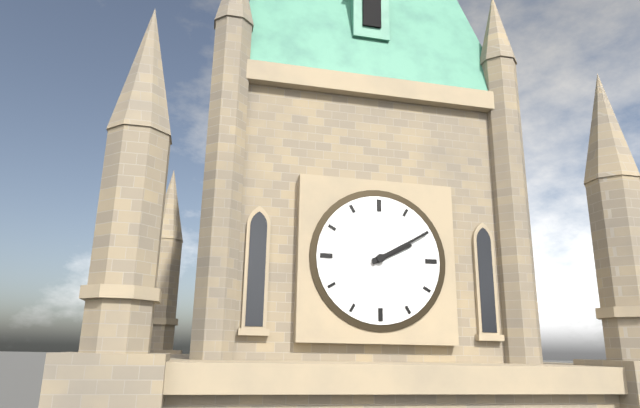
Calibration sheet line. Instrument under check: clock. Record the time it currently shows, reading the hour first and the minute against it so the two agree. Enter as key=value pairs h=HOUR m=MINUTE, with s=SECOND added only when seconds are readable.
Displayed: h=2 m=10
